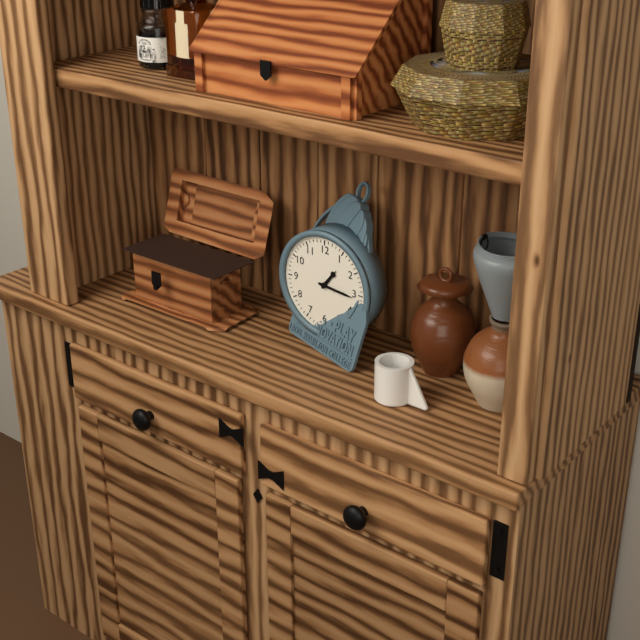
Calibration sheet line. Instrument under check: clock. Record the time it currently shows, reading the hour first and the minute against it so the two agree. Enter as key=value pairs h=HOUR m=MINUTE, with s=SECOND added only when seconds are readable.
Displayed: h=1 m=16
